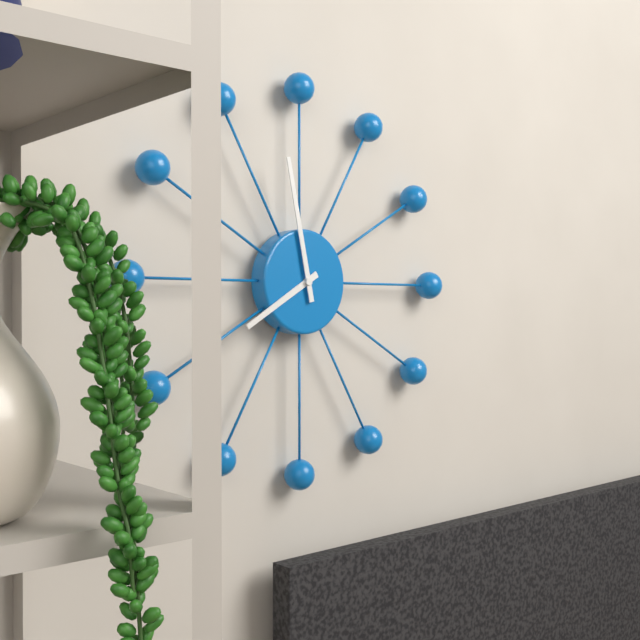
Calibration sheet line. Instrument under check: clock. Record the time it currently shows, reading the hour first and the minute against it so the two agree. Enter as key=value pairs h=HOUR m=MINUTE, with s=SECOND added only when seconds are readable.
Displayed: h=7 m=58
